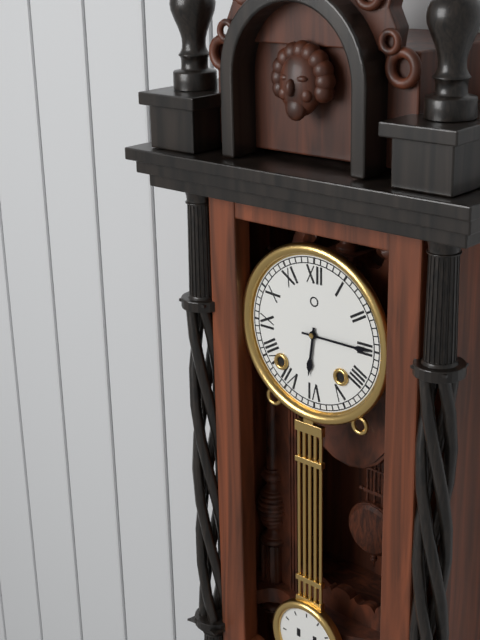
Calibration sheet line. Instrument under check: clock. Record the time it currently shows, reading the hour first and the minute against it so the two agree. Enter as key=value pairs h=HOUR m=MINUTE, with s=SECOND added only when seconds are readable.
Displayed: h=6 m=15
